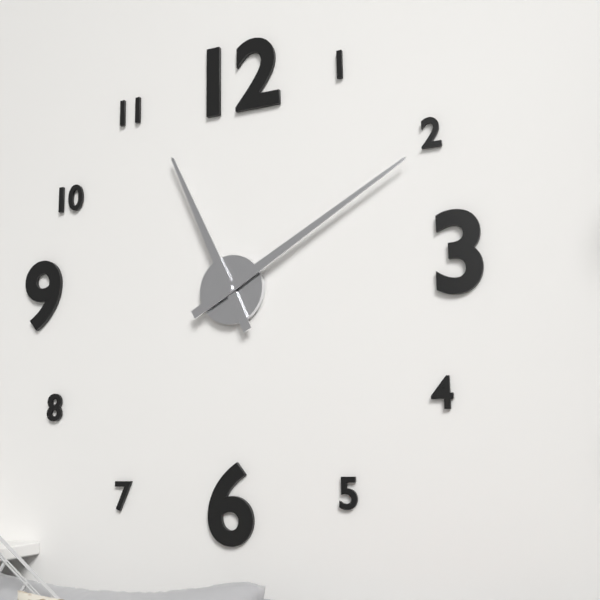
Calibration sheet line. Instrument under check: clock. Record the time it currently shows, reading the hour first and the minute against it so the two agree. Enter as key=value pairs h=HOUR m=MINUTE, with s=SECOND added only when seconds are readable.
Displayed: h=11 m=10
